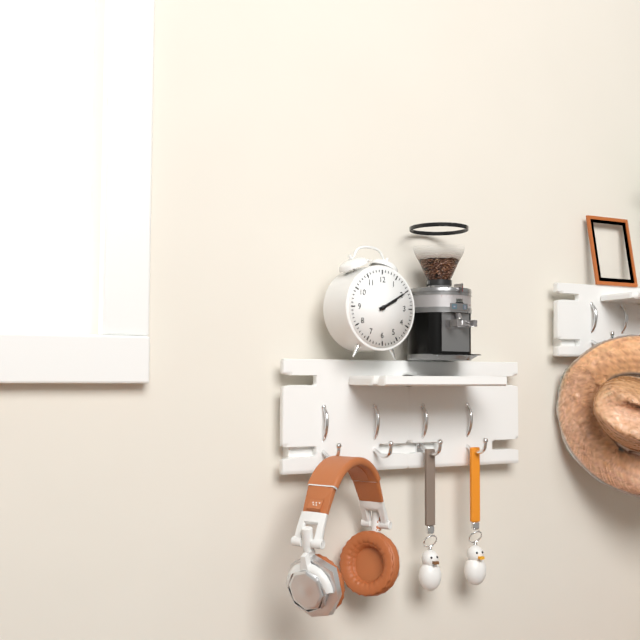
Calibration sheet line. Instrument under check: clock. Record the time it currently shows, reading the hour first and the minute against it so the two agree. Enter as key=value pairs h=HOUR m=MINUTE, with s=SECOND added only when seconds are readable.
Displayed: h=2 m=10
